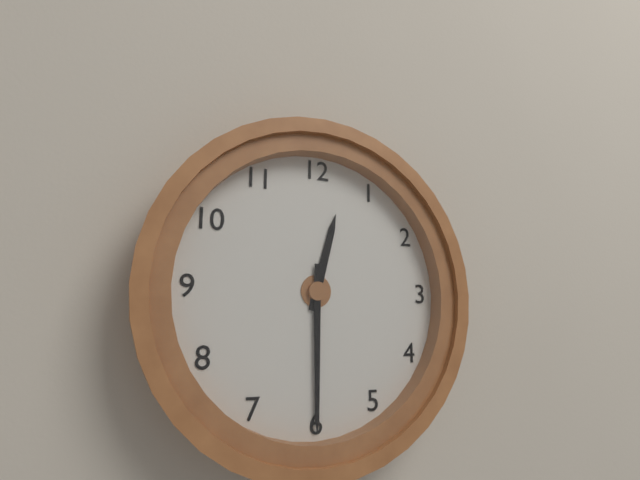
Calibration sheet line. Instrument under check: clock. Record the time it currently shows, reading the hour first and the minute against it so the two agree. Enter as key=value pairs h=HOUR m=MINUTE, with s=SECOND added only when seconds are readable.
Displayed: h=12 m=30
